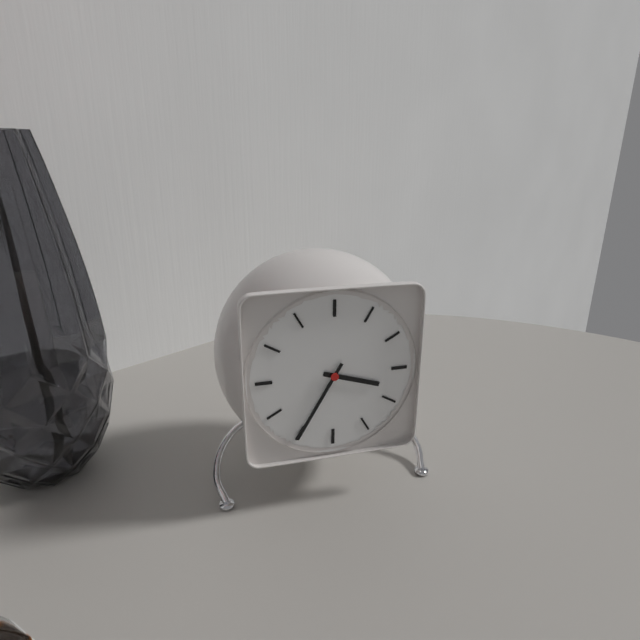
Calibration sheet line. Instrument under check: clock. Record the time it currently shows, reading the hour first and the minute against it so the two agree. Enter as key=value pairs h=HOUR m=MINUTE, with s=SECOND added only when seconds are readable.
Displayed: h=3 m=35
